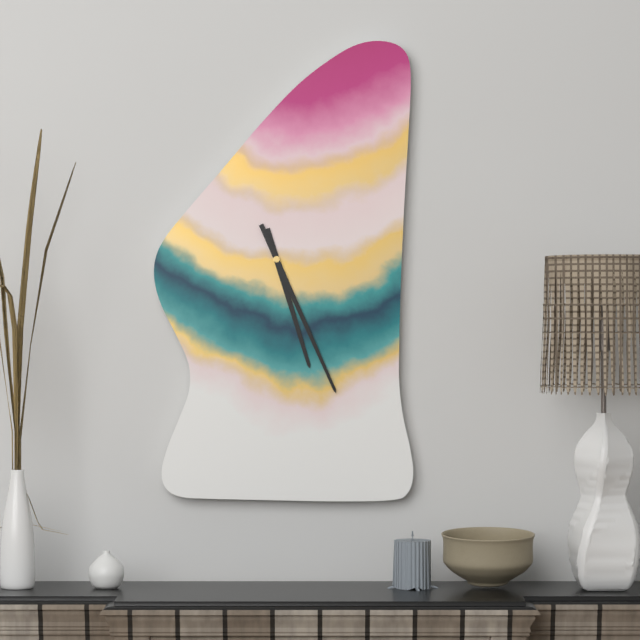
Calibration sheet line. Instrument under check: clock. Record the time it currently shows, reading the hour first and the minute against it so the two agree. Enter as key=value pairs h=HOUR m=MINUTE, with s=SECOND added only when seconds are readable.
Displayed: h=5 m=26
